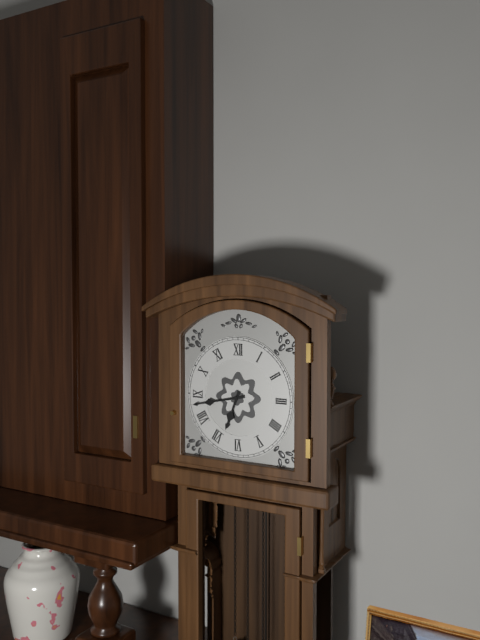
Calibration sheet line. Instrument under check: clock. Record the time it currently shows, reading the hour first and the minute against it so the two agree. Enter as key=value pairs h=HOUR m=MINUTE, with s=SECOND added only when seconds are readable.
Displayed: h=6 m=43
